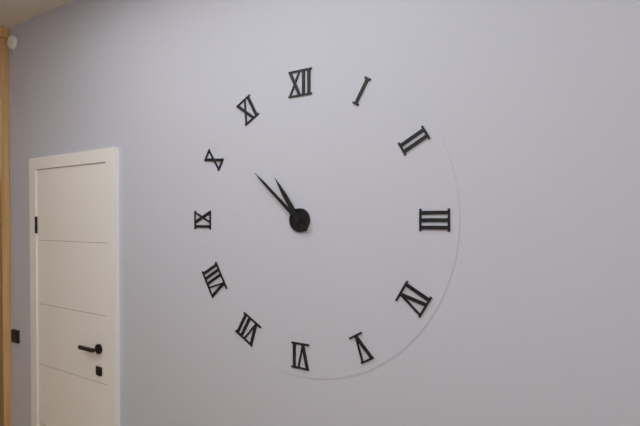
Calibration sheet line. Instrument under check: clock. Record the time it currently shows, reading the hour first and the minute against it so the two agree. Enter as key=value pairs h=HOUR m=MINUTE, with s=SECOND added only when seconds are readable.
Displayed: h=10 m=52
